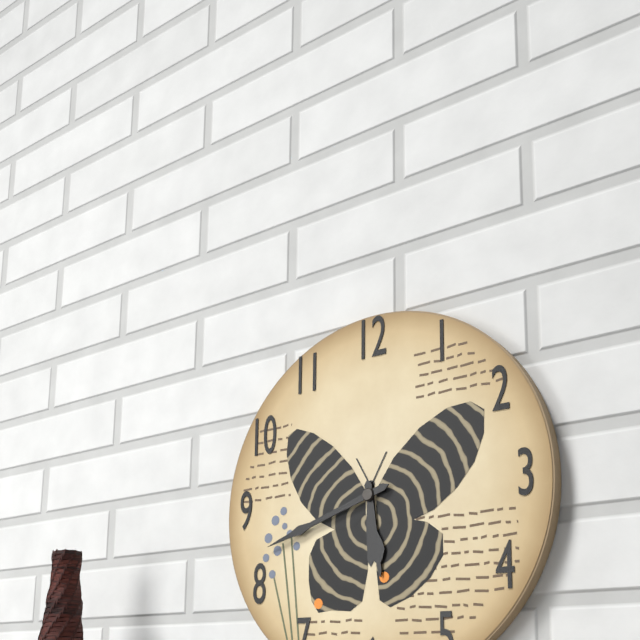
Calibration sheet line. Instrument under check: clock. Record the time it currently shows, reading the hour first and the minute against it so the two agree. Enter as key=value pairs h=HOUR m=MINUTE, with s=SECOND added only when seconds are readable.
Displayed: h=5 m=42
